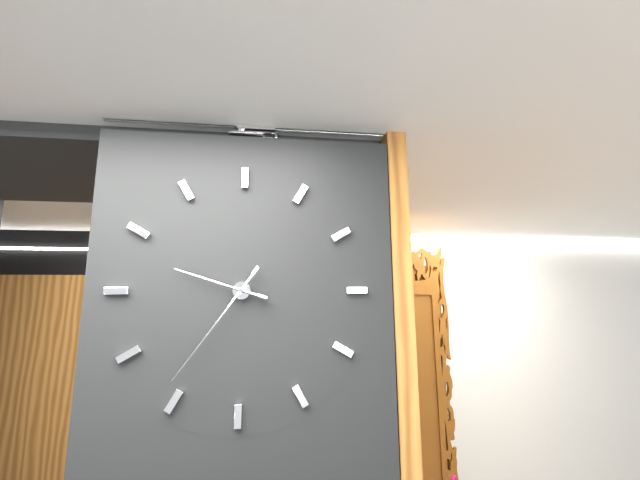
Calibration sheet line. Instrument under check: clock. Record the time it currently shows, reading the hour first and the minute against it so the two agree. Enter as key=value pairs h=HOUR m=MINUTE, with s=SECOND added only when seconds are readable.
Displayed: h=9 m=36
